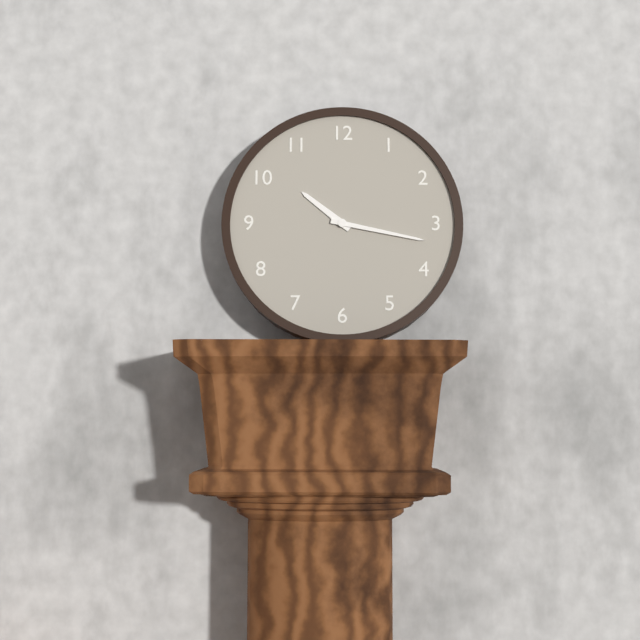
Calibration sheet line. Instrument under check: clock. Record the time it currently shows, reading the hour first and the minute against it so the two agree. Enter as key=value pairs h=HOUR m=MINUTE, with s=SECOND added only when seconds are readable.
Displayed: h=10 m=17
